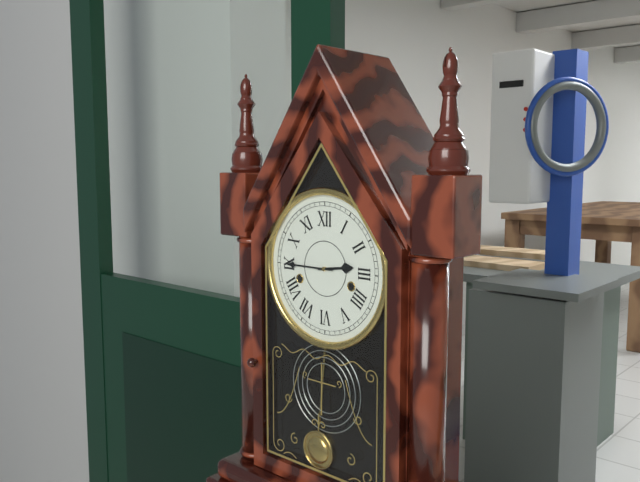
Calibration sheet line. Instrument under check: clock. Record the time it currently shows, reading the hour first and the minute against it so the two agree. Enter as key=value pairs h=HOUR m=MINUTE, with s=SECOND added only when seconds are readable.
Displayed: h=2 m=45
